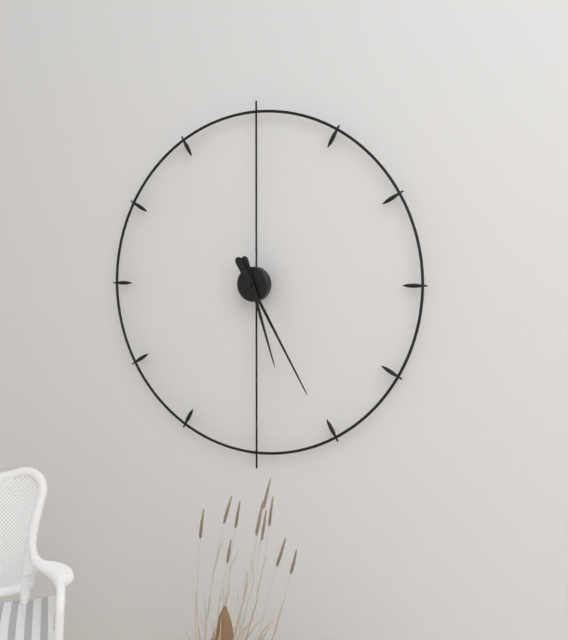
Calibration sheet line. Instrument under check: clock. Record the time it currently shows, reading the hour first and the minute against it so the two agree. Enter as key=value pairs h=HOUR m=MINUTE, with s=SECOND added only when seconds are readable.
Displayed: h=5 m=25
